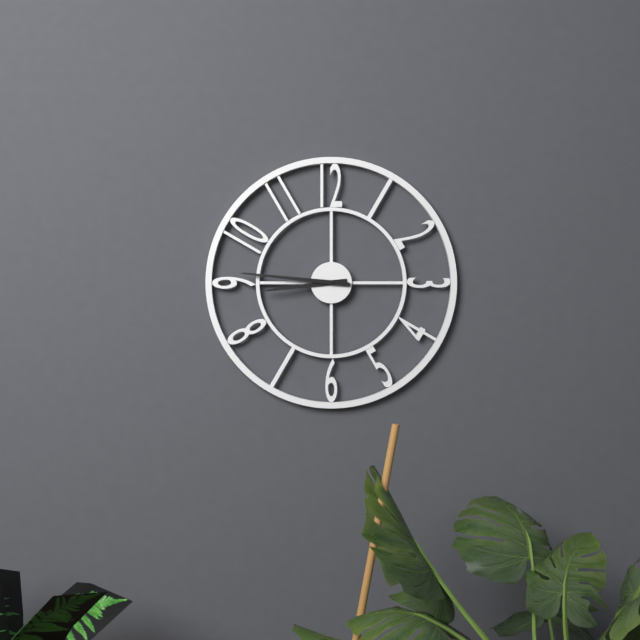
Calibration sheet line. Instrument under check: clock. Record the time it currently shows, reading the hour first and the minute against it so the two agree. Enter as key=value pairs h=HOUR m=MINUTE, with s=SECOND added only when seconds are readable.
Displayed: h=8 m=46
